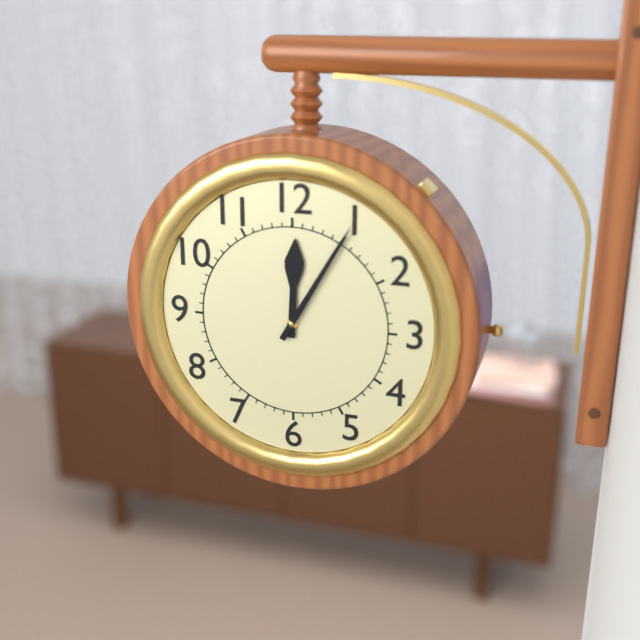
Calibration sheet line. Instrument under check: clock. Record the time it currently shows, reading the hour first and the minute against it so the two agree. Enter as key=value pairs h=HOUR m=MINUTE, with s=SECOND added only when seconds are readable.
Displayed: h=12 m=5
